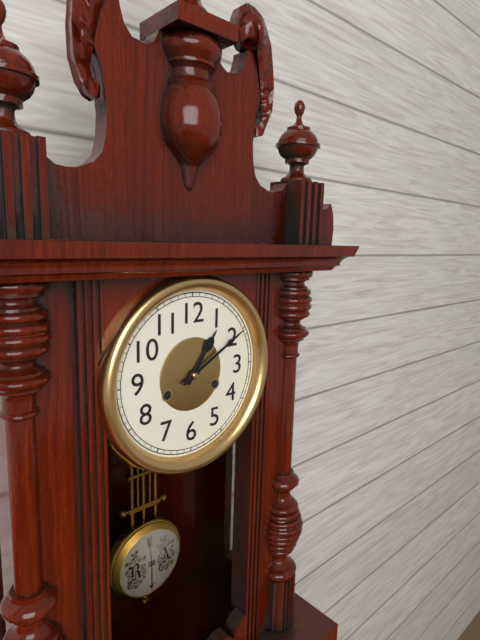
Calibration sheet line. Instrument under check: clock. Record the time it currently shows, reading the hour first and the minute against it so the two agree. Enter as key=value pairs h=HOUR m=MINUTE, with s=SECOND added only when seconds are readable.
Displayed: h=1 m=10
